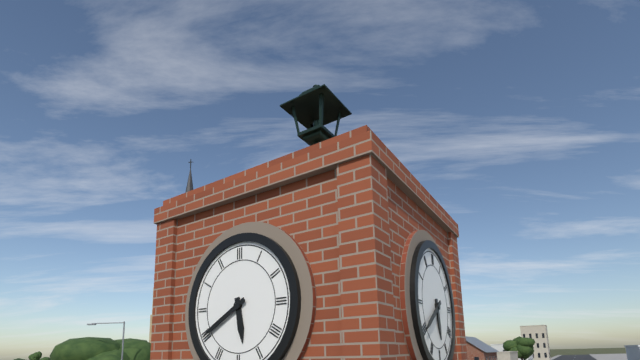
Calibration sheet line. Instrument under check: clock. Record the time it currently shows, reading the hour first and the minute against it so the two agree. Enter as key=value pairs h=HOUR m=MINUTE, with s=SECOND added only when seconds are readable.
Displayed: h=5 m=40
